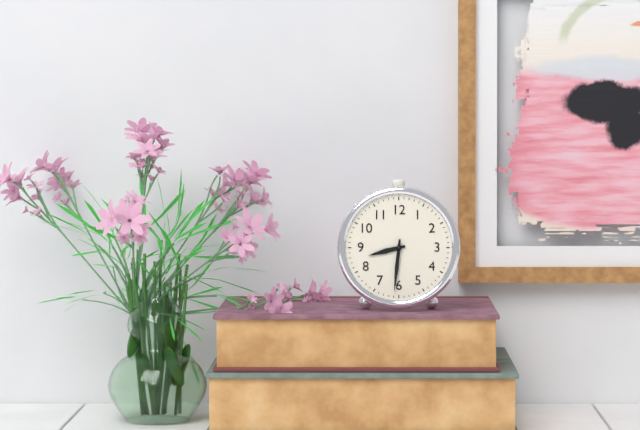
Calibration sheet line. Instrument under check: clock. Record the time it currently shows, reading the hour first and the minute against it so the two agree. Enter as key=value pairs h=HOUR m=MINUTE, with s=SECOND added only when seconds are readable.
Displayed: h=8 m=31
